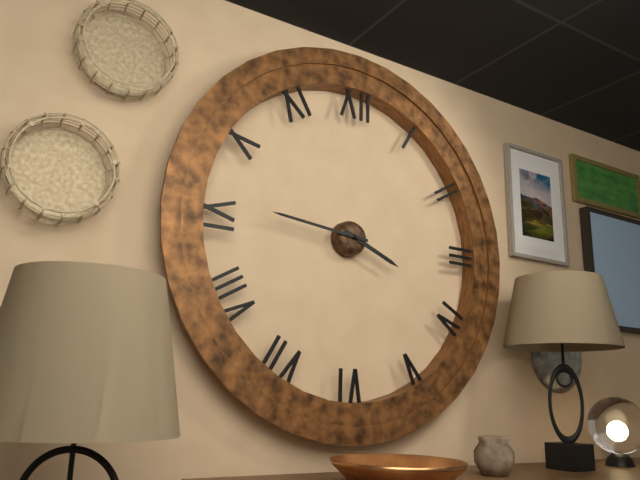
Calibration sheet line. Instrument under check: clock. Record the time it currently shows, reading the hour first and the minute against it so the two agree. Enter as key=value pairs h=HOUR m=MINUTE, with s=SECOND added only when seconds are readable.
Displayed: h=3 m=46
